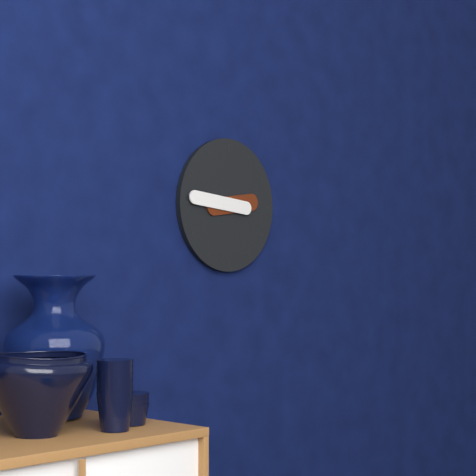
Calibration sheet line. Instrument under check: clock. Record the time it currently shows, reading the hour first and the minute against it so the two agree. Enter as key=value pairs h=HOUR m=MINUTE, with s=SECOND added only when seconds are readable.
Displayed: h=2 m=46
